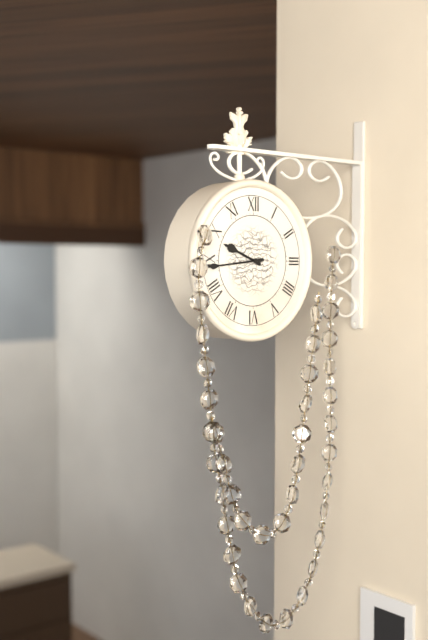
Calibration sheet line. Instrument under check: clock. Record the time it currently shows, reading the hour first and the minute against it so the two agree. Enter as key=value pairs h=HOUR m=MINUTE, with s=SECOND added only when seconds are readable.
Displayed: h=9 m=44
